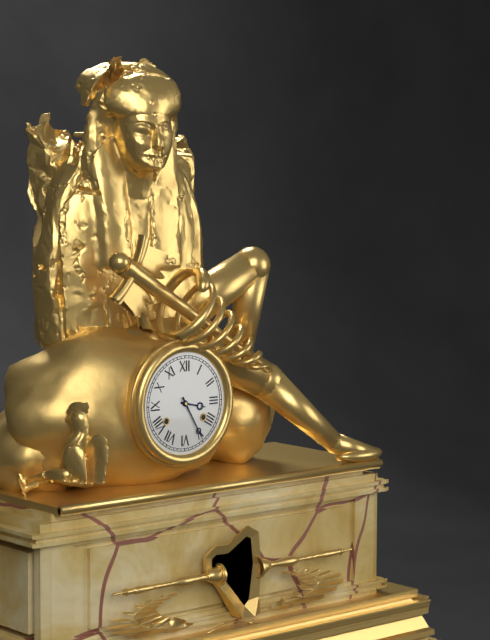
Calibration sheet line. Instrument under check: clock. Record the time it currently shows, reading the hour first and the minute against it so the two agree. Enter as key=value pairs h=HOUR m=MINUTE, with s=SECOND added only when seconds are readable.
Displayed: h=3 m=25
